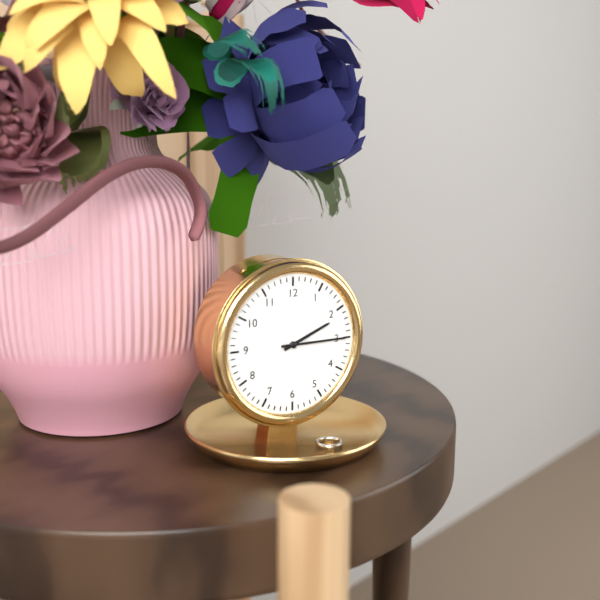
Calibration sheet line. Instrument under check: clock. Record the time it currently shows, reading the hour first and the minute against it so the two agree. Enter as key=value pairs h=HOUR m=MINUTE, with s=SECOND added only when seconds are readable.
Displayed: h=2 m=15
